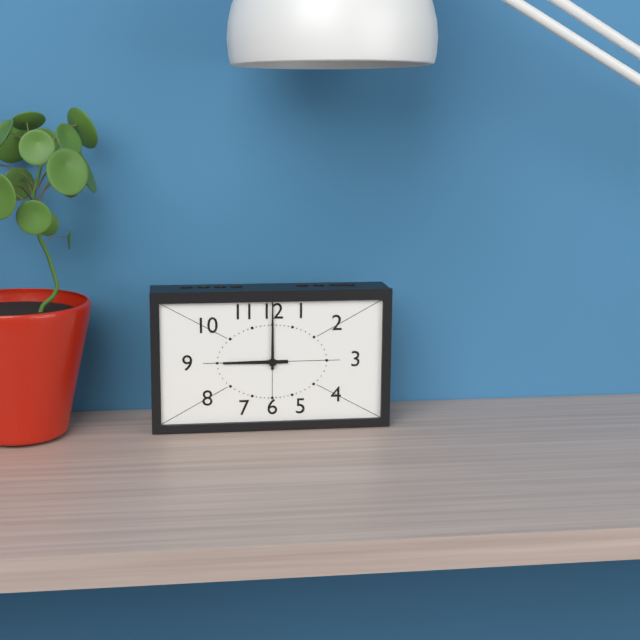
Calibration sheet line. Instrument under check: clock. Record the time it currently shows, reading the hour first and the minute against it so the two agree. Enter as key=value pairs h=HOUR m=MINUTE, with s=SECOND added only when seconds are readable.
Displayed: h=9 m=0
